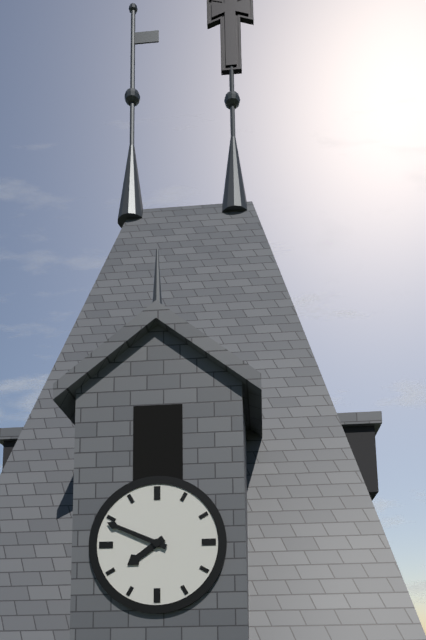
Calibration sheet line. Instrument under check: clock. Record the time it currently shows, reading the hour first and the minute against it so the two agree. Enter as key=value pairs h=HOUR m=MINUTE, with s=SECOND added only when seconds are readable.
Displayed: h=7 m=49
